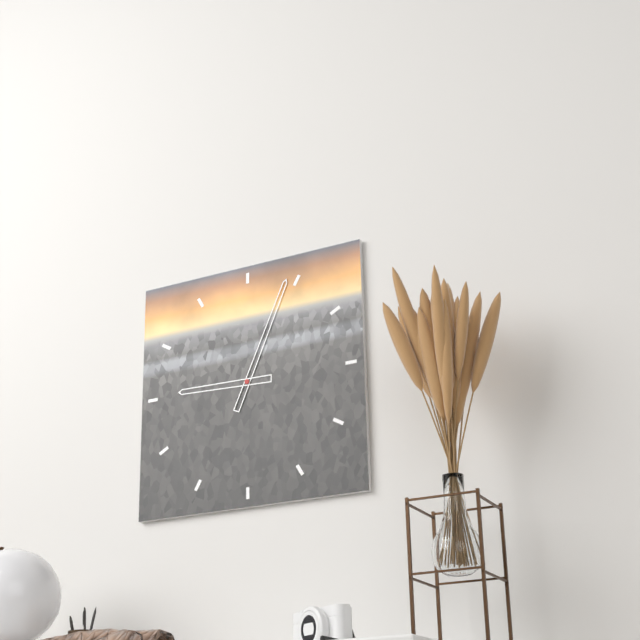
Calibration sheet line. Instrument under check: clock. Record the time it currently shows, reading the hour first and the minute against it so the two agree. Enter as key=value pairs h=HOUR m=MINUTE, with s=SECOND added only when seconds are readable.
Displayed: h=9 m=4
